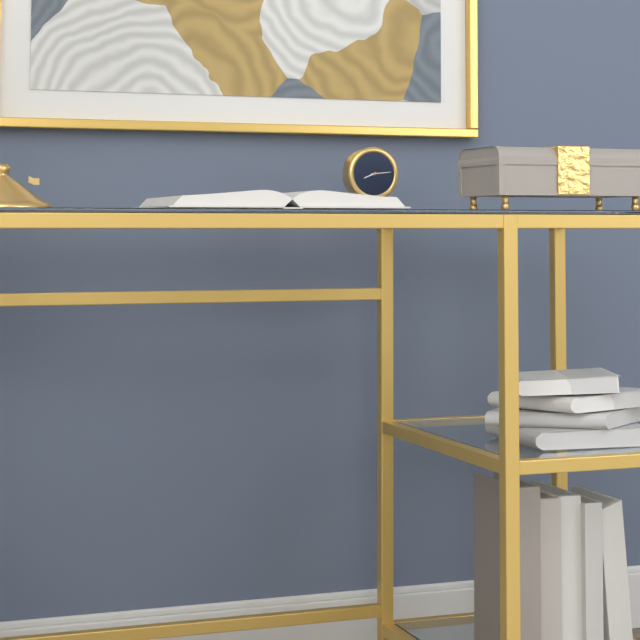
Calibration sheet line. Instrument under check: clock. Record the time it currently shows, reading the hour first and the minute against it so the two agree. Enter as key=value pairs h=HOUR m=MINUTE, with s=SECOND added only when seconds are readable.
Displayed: h=8 m=14
